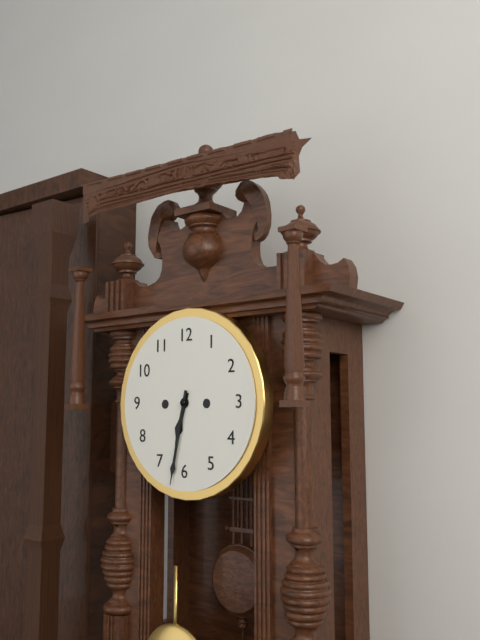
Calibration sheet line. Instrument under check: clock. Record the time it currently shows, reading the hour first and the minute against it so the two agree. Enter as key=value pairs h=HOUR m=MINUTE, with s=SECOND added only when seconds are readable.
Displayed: h=6 m=32
